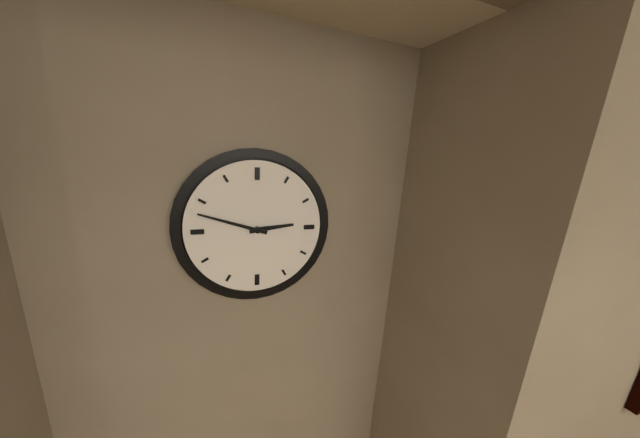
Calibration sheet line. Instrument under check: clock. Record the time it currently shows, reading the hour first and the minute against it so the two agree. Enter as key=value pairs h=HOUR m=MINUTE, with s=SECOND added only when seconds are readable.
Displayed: h=2 m=48
